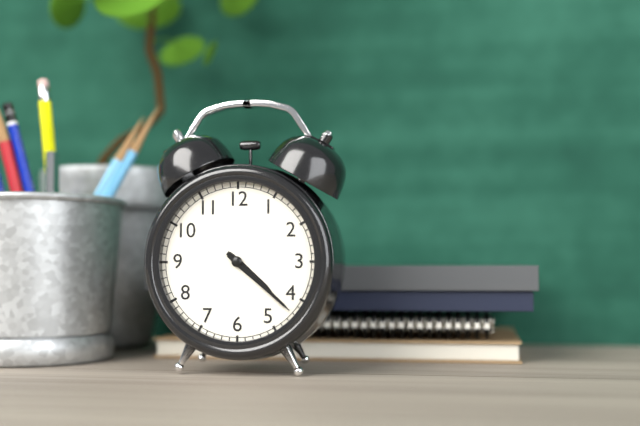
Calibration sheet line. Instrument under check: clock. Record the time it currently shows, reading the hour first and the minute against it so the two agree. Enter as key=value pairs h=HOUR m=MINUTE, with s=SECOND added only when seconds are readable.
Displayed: h=4 m=22
